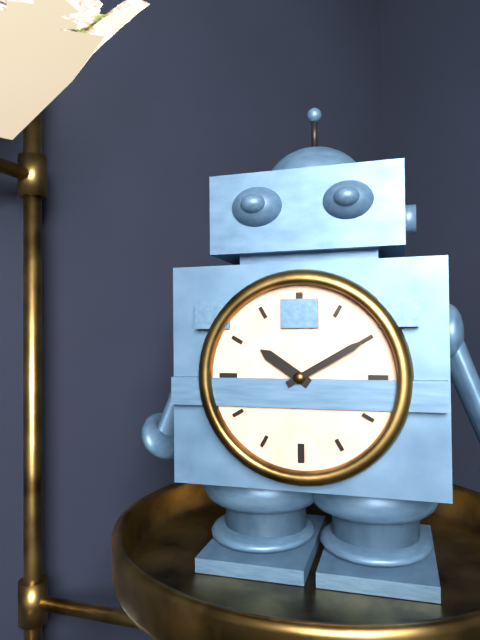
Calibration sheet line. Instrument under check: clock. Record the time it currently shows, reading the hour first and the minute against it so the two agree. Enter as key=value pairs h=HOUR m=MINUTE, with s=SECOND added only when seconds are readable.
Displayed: h=10 m=10
